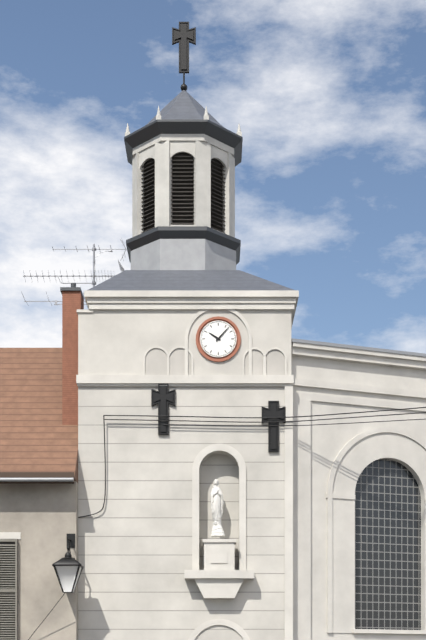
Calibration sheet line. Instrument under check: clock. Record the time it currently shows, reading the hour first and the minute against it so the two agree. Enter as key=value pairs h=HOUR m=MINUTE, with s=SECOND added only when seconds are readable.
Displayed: h=10 m=7
